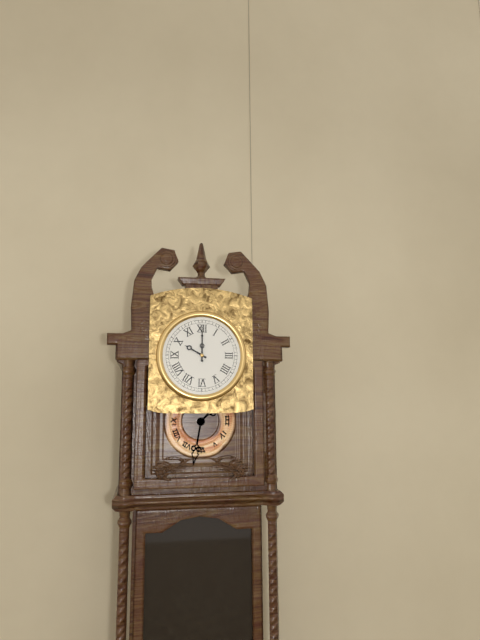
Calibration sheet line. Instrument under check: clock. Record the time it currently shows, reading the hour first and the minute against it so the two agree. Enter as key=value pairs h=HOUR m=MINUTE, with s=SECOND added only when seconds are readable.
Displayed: h=10 m=0
